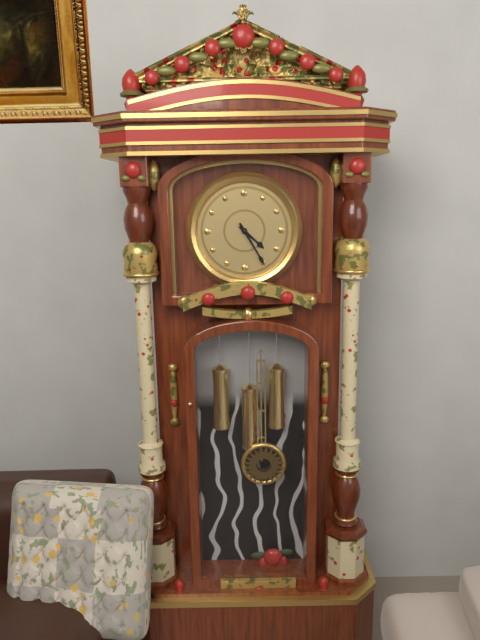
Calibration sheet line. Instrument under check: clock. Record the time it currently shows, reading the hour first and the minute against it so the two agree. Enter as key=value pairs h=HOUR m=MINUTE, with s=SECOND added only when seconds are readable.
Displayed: h=4 m=25
